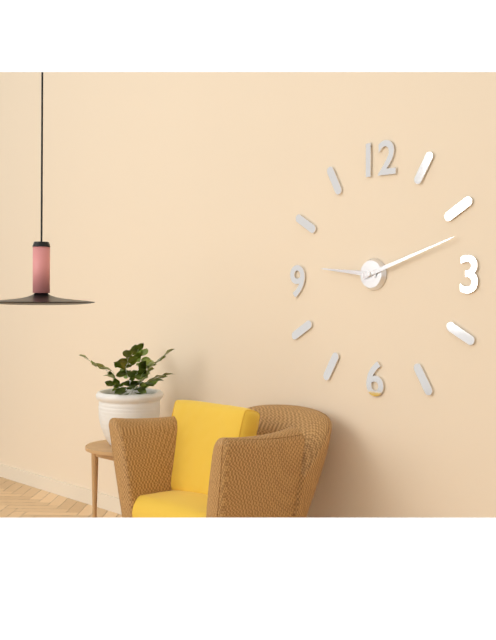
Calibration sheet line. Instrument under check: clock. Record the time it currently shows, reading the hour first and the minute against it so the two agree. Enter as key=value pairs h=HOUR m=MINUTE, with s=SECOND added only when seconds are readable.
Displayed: h=9 m=12
